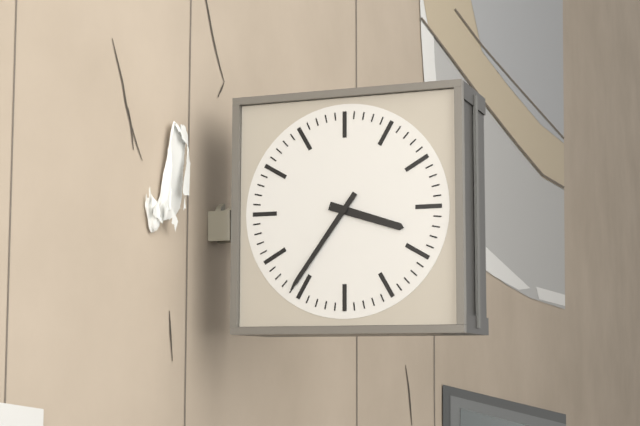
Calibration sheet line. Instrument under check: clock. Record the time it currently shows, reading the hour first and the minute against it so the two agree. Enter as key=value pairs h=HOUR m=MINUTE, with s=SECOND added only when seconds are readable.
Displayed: h=3 m=36
